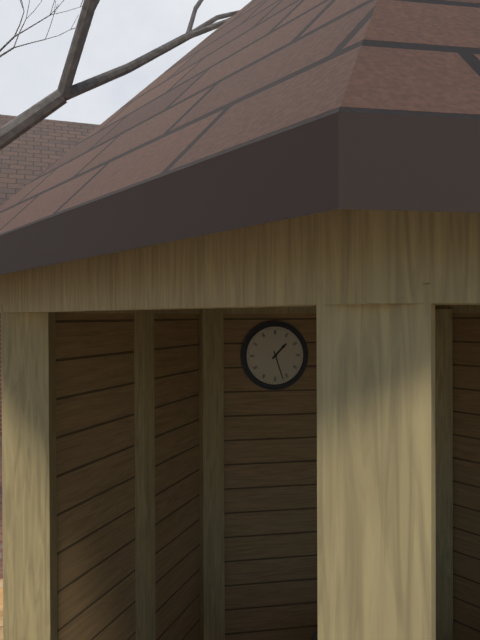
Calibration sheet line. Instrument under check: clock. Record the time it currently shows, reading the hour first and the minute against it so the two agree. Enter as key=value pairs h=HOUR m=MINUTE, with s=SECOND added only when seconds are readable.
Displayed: h=1 m=27
